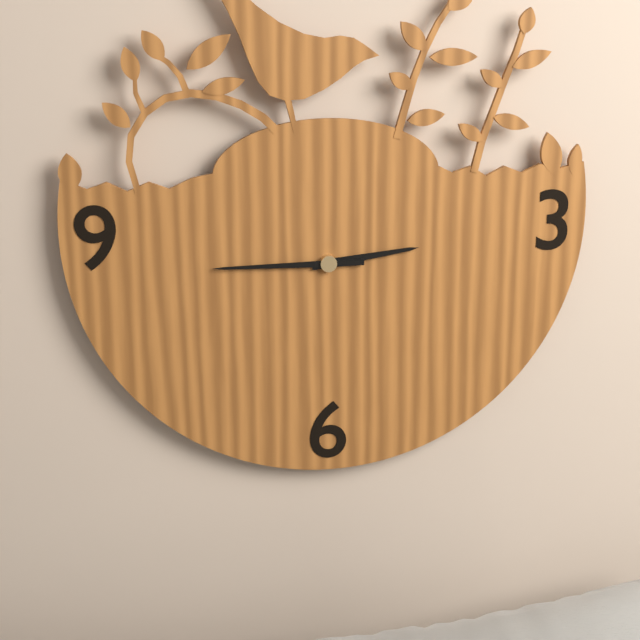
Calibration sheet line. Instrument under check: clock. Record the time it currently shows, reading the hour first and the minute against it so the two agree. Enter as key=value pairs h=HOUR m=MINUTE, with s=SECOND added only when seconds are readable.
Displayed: h=2 m=45
